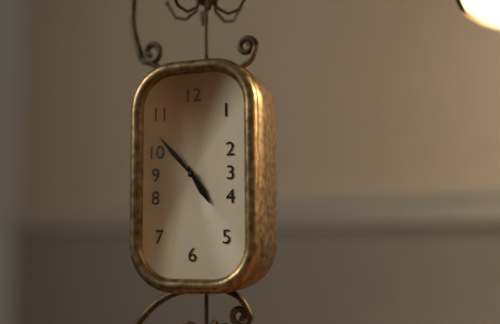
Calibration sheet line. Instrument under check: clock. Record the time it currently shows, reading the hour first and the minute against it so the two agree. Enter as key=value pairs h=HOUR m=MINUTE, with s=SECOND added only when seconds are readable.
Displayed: h=4 m=53
